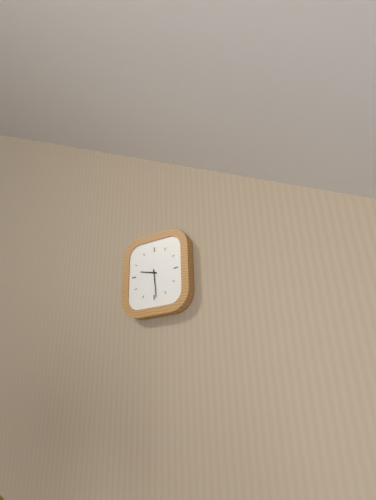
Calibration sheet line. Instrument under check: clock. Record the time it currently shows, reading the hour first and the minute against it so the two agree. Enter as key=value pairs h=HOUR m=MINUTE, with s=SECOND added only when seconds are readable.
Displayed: h=9 m=29
